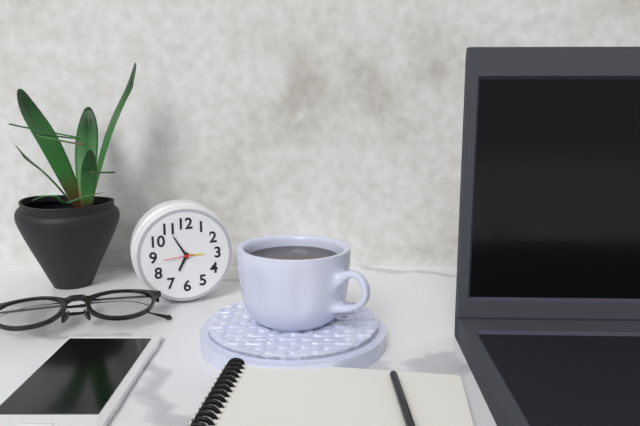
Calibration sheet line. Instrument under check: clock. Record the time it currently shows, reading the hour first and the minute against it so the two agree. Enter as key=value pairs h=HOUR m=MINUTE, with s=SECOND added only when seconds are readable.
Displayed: h=6 m=55
